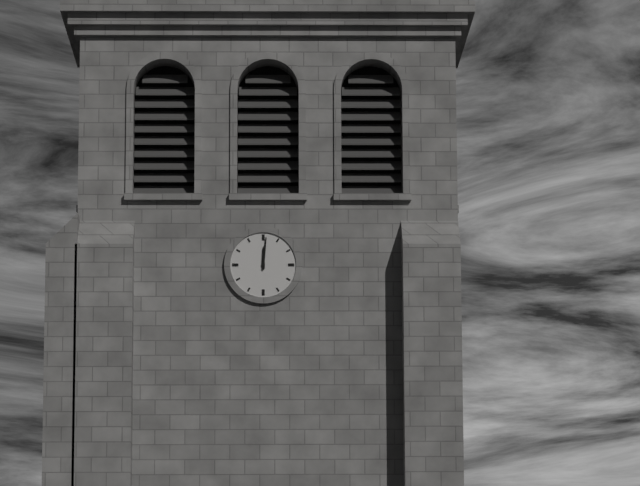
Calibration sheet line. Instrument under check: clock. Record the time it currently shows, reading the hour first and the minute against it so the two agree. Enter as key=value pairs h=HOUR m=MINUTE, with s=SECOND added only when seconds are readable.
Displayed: h=12 m=1
